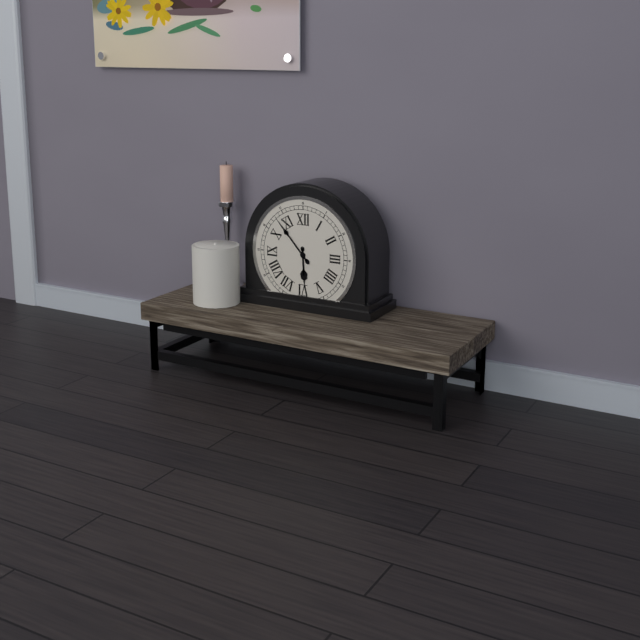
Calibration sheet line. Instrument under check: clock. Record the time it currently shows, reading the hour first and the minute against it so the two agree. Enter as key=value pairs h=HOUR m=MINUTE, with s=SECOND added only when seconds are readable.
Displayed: h=5 m=53
